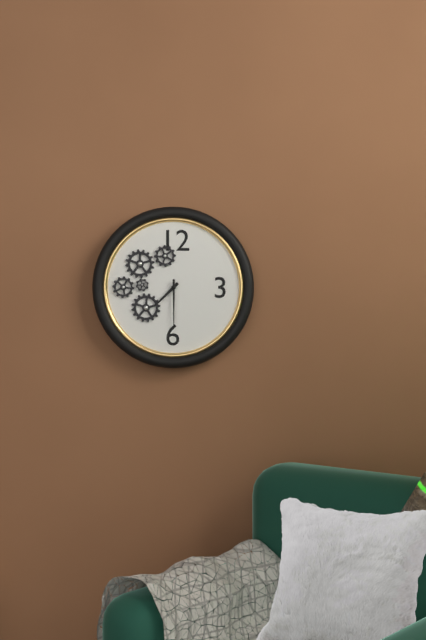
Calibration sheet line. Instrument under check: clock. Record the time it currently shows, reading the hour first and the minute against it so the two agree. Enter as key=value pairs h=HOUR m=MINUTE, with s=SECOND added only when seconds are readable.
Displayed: h=7 m=30
